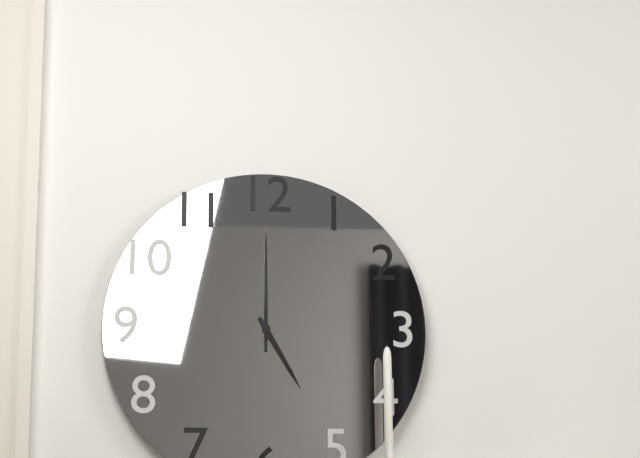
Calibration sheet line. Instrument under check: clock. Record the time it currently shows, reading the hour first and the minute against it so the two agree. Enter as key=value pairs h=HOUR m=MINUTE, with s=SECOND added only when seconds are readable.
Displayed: h=5 m=0
